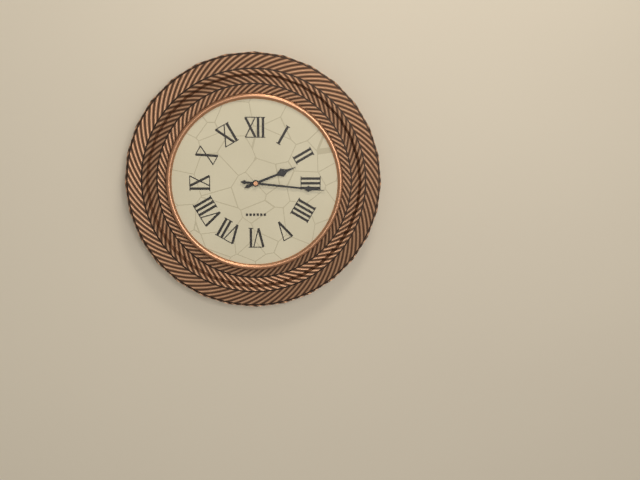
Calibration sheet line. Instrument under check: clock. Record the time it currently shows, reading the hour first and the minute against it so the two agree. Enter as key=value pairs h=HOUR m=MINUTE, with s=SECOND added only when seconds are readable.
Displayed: h=2 m=16
